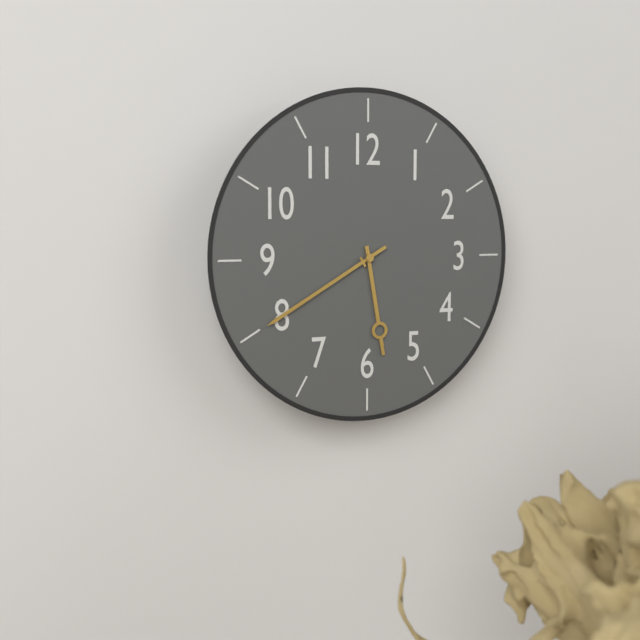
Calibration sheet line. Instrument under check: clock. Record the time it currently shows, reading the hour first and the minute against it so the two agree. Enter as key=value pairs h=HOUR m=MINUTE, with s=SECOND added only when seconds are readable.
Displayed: h=5 m=40
